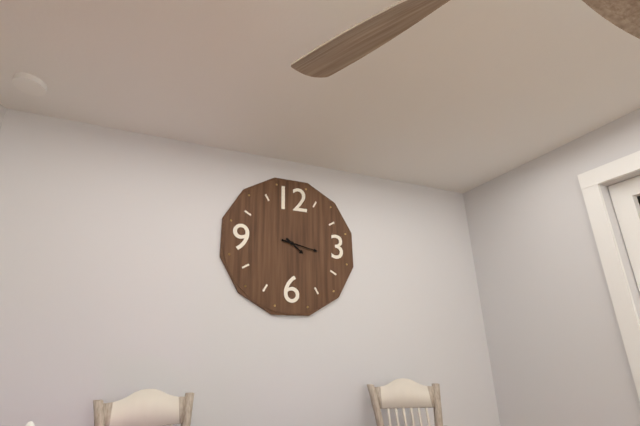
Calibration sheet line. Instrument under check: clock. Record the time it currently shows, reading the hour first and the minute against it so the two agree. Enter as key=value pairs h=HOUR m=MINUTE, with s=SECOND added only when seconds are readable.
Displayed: h=4 m=17
